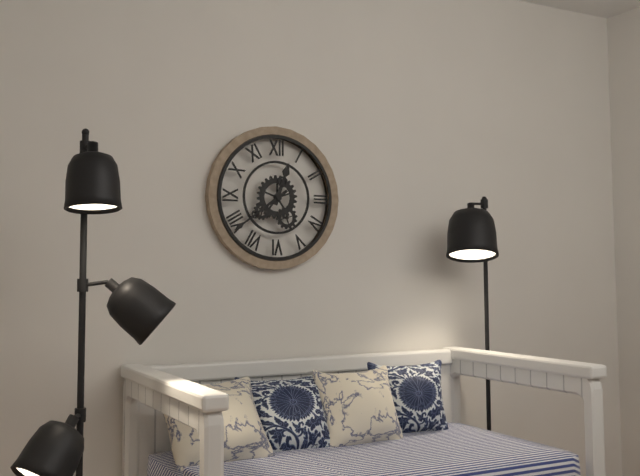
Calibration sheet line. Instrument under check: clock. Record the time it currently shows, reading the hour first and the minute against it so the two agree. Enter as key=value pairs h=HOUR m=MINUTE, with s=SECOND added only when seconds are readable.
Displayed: h=12 m=39
